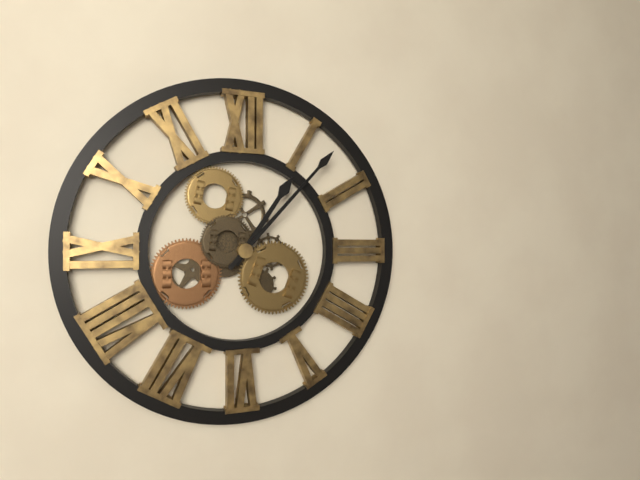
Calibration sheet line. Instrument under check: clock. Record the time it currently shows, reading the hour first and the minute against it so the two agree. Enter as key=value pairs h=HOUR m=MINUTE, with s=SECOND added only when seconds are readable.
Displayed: h=1 m=7
